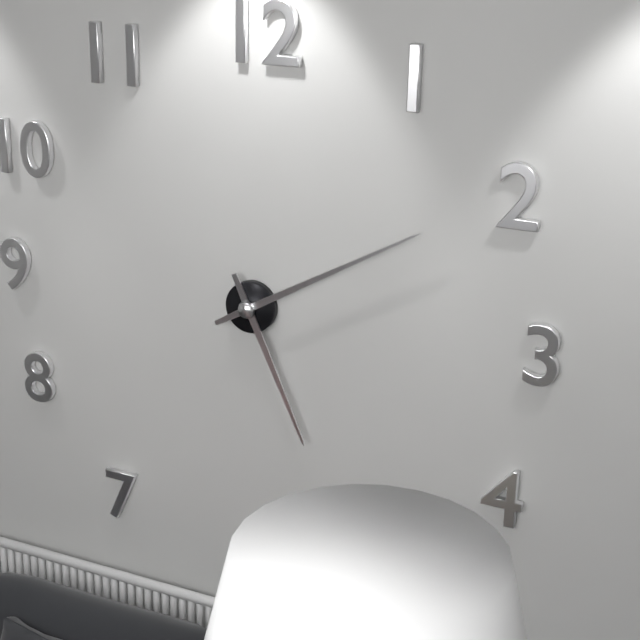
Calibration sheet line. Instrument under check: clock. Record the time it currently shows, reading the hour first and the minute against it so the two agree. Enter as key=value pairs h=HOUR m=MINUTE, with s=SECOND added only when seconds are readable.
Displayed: h=5 m=10
